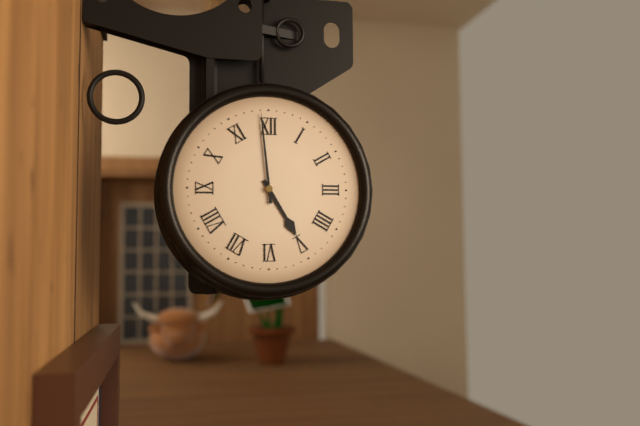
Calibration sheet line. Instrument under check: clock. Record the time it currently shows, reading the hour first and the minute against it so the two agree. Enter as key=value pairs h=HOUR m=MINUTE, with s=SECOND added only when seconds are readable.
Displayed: h=4 m=59
